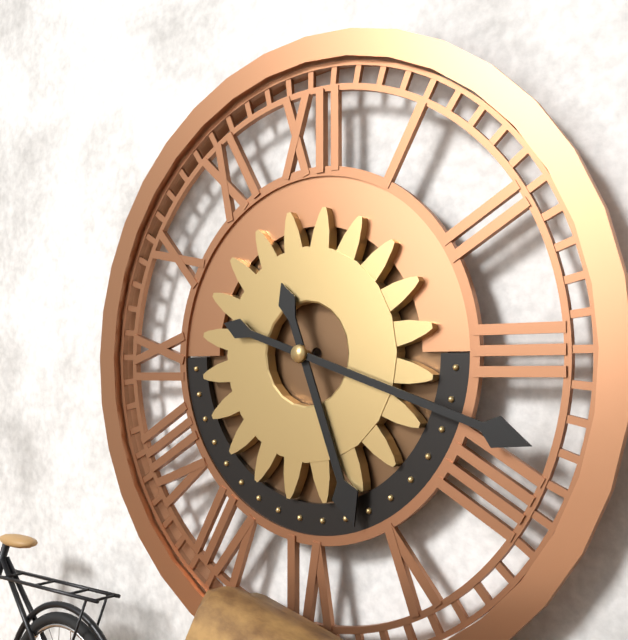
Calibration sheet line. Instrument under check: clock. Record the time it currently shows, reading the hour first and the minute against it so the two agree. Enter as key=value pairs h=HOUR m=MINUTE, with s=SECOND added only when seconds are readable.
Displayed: h=5 m=18
